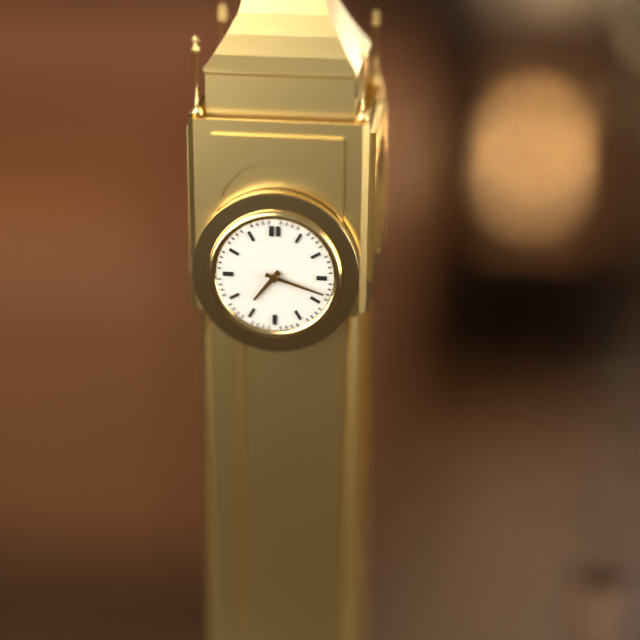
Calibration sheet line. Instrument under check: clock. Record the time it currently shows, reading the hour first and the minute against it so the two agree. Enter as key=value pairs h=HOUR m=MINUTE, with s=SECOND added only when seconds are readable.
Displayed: h=7 m=18
